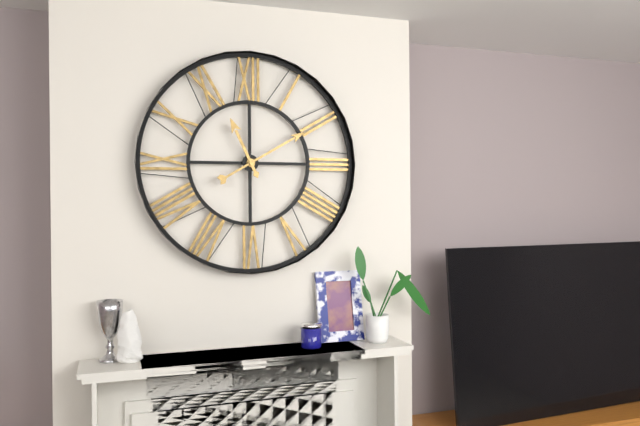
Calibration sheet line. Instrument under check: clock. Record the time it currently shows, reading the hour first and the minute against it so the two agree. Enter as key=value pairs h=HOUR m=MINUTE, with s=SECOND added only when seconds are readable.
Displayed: h=11 m=10
